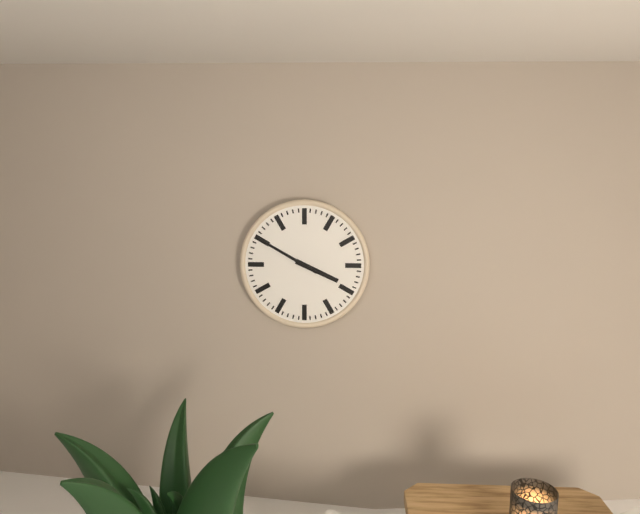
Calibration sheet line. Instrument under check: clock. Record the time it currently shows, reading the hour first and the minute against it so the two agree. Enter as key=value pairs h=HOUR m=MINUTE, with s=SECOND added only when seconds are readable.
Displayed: h=3 m=50
